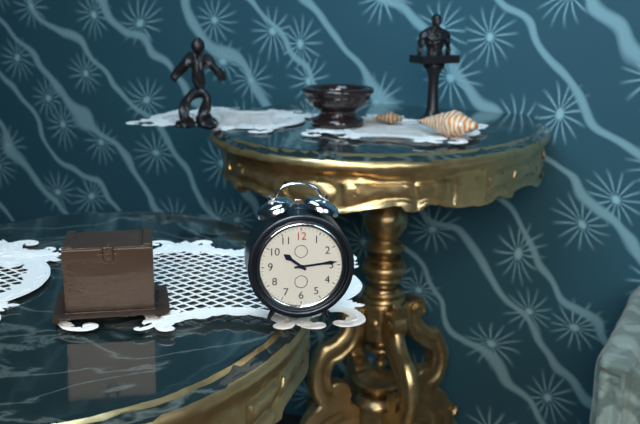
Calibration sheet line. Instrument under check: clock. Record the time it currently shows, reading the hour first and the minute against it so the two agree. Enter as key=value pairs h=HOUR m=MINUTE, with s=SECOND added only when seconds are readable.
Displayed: h=10 m=14
